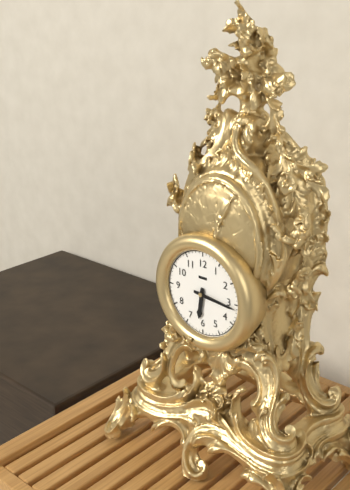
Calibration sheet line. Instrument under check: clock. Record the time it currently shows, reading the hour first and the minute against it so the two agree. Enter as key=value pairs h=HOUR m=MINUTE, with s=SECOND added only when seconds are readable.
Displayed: h=6 m=16
